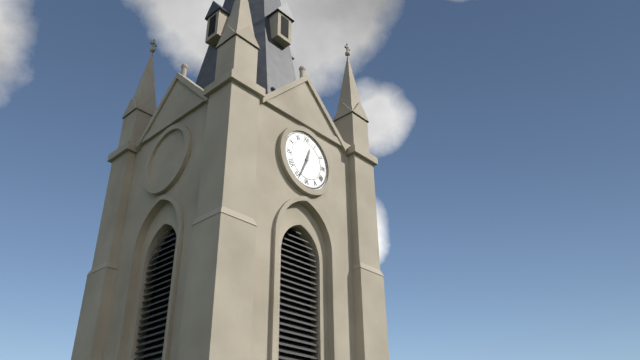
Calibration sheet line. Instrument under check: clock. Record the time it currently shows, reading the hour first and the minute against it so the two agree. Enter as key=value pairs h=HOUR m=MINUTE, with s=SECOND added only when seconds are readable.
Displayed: h=12 m=34
